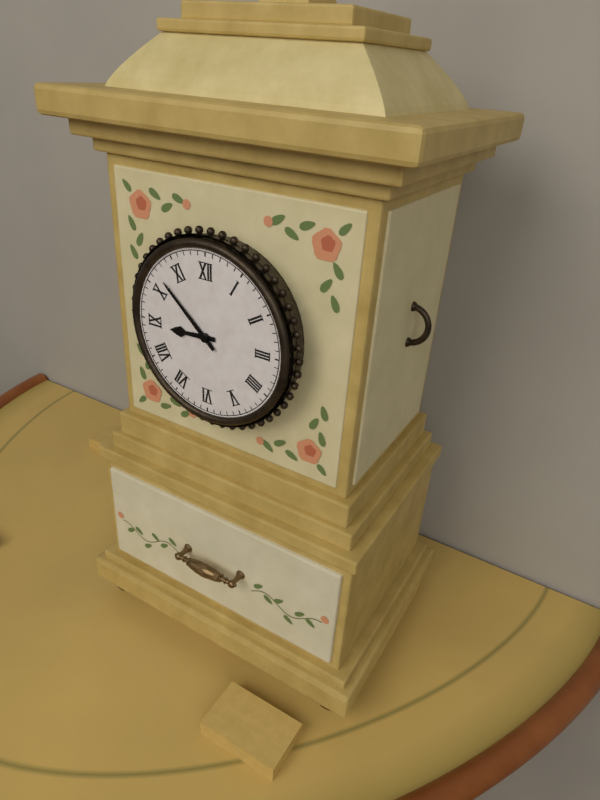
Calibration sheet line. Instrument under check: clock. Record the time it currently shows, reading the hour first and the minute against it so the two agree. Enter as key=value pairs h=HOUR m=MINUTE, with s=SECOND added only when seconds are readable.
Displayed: h=8 m=52
